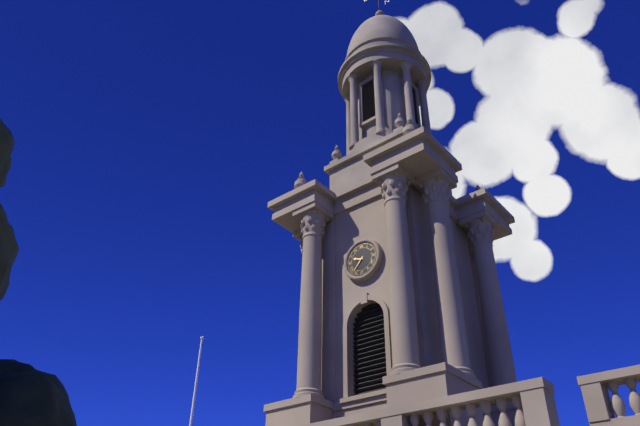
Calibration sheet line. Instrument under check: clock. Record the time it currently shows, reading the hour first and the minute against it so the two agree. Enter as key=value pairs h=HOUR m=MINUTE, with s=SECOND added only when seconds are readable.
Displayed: h=9 m=37
